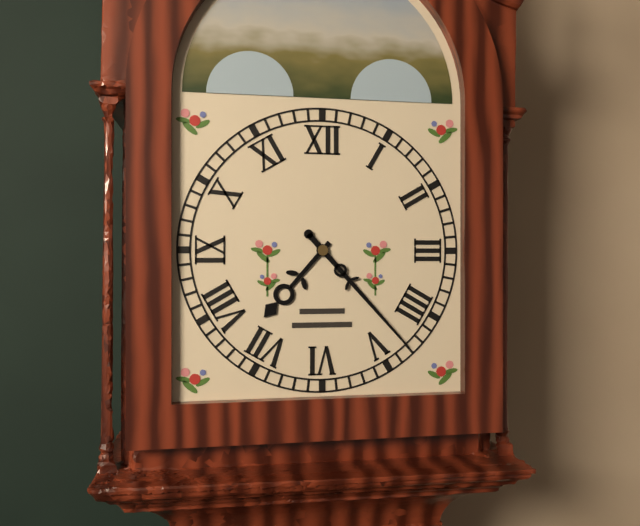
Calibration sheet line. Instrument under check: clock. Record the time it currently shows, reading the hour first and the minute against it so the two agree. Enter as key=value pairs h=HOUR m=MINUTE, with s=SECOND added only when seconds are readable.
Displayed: h=7 m=23
